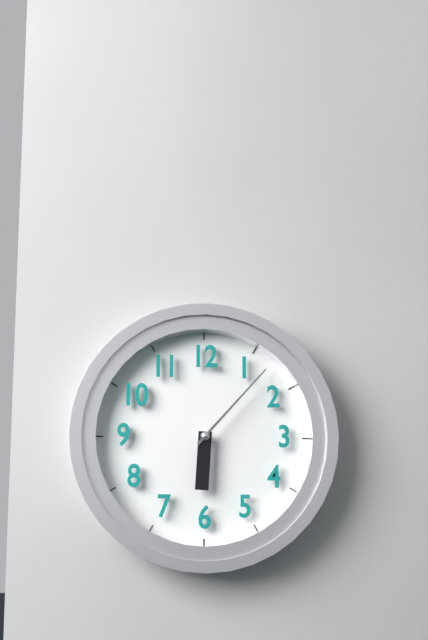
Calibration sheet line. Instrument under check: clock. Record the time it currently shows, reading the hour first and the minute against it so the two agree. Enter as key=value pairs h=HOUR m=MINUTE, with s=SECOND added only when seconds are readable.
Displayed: h=6 m=7
